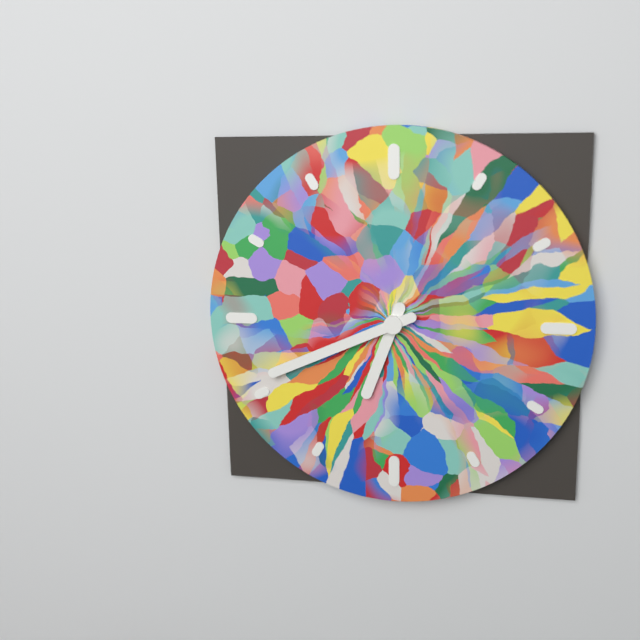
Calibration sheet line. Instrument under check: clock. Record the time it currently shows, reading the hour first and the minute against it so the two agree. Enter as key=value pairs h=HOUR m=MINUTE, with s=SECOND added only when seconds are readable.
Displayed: h=6 m=41
